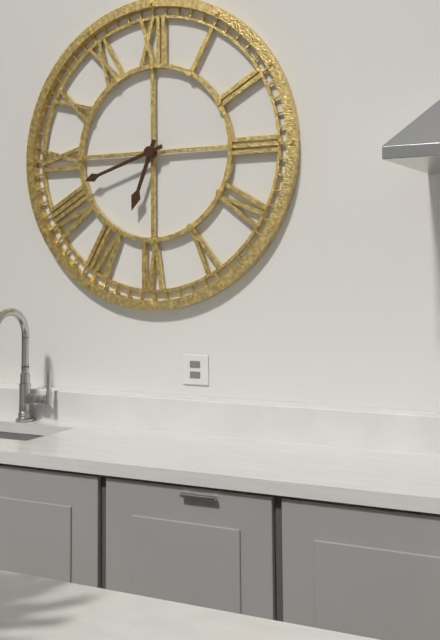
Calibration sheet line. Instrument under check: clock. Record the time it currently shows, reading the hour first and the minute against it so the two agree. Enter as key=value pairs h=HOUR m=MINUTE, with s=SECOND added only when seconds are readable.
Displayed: h=6 m=42
